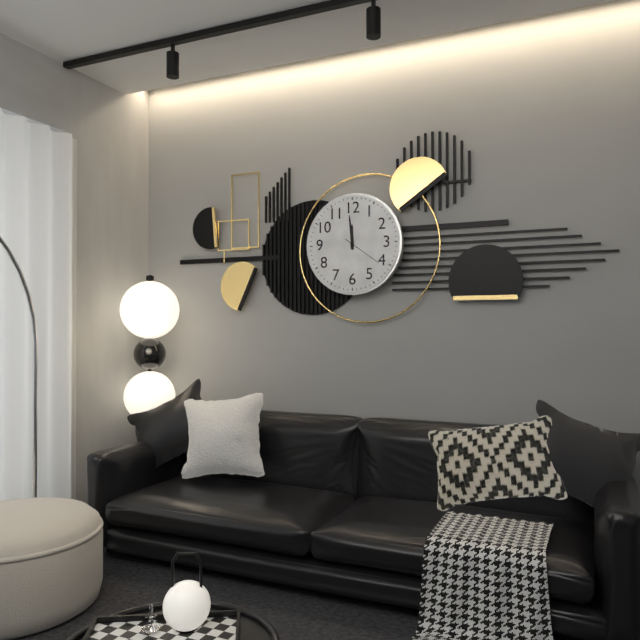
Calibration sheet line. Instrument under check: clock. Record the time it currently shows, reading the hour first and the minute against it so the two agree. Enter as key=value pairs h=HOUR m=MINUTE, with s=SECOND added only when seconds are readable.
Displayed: h=11 m=59
